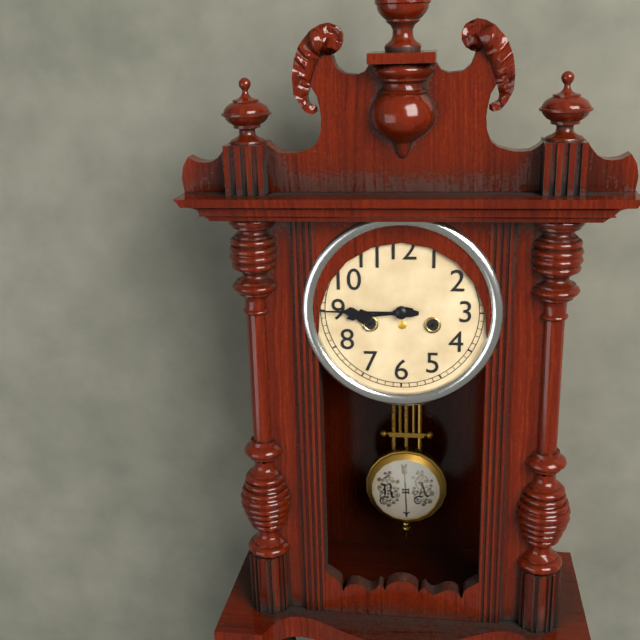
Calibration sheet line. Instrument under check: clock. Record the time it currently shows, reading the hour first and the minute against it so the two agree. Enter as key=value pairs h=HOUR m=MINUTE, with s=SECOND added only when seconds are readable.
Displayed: h=8 m=45
